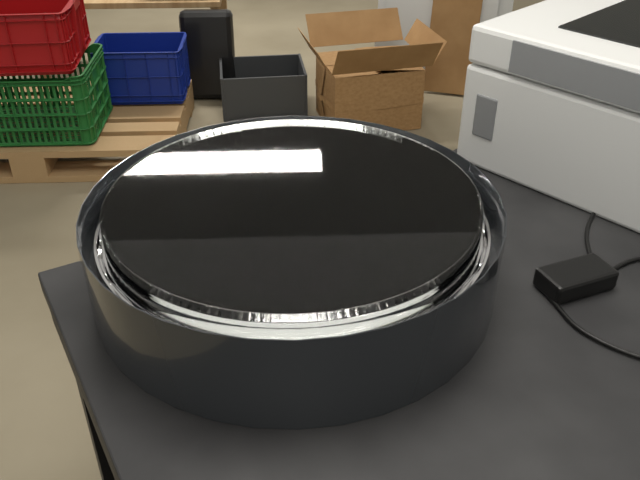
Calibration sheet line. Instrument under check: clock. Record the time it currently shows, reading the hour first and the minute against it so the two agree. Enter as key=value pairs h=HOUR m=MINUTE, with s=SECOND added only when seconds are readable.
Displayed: h=2 m=24
